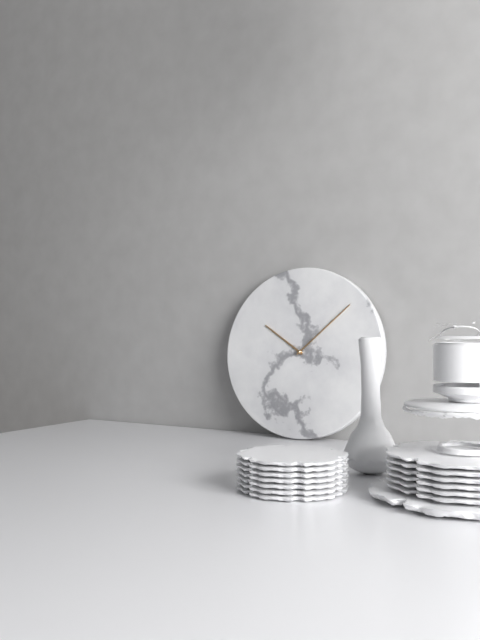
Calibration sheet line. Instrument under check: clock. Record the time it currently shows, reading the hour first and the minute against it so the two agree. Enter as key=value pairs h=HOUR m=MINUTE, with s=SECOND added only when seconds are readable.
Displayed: h=10 m=8
